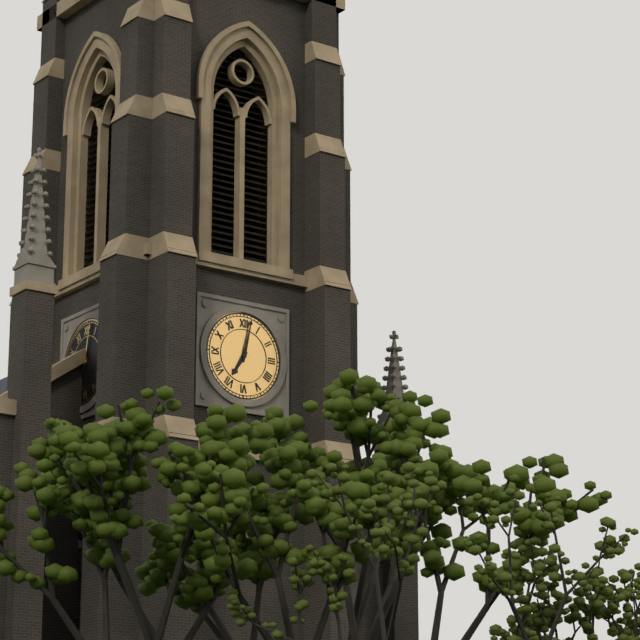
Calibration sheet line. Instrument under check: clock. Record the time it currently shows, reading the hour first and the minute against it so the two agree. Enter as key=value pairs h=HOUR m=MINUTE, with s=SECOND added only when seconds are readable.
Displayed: h=7 m=2
